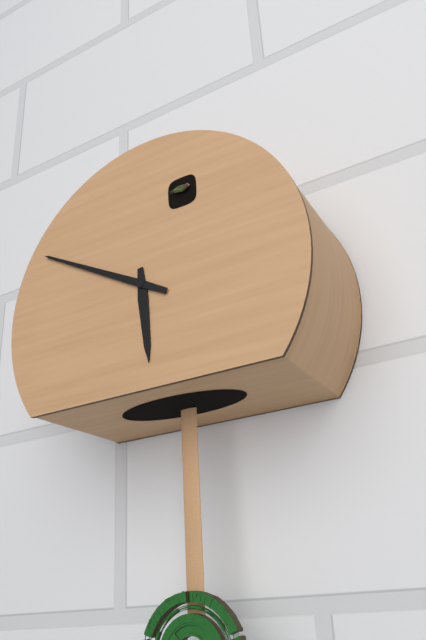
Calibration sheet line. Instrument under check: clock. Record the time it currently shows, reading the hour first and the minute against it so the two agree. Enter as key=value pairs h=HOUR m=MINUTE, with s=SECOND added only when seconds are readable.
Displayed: h=5 m=50
